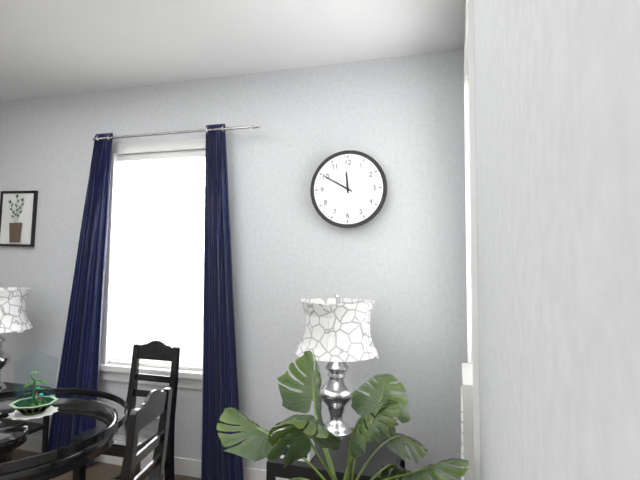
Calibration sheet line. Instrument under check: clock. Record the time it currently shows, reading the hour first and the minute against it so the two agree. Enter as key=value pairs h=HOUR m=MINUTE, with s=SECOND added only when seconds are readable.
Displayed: h=11 m=50
